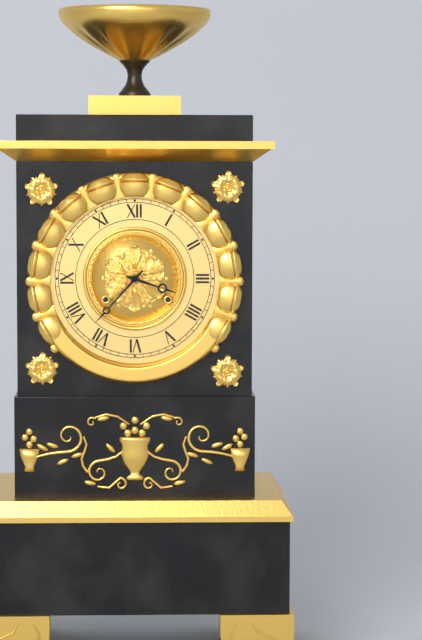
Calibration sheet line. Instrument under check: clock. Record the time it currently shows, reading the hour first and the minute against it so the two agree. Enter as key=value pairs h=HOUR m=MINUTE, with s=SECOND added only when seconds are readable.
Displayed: h=3 m=37
